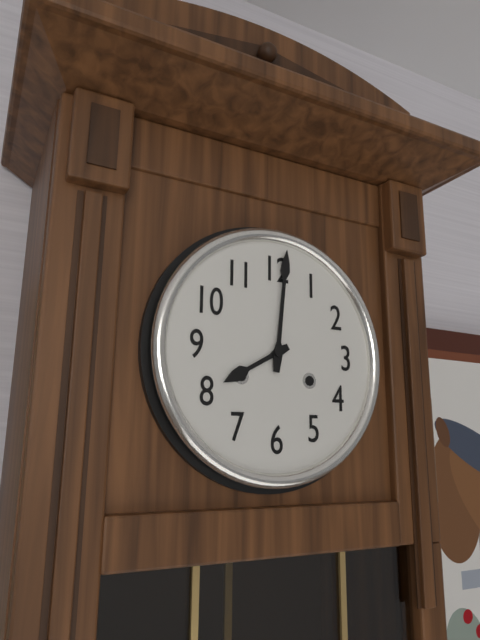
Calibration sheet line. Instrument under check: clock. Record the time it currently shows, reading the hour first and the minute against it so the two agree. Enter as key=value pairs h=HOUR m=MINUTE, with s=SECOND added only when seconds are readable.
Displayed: h=8 m=1
